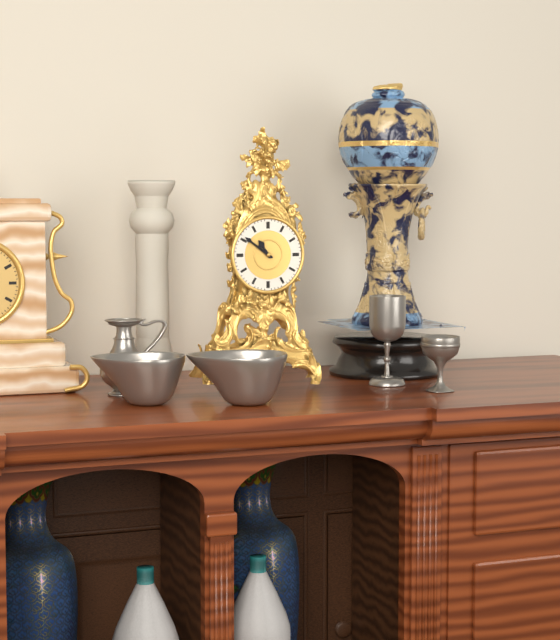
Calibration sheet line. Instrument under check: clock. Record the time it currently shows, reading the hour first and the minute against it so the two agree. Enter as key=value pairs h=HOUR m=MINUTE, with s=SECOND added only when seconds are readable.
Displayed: h=10 m=51
